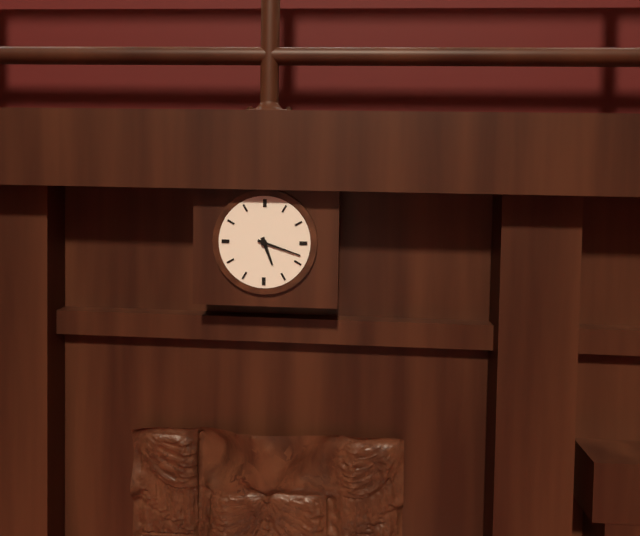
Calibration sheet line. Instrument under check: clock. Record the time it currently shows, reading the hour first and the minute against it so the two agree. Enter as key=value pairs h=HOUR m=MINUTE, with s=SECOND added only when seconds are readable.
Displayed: h=5 m=18
